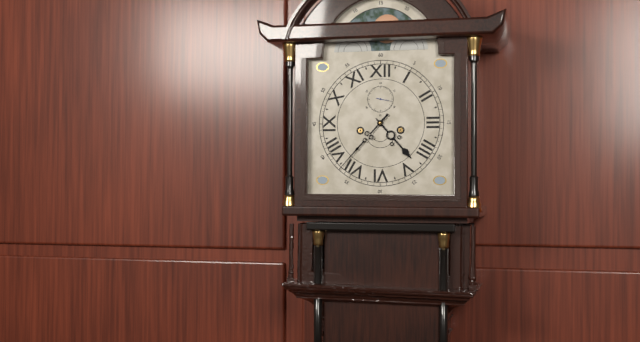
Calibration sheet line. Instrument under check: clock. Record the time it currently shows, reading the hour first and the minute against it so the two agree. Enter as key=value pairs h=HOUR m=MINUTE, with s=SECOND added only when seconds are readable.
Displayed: h=4 m=37
